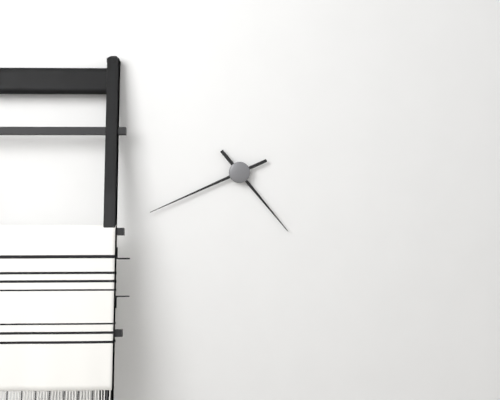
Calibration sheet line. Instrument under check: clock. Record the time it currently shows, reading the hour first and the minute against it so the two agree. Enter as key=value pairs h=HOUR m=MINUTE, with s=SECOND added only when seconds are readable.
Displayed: h=4 m=41
